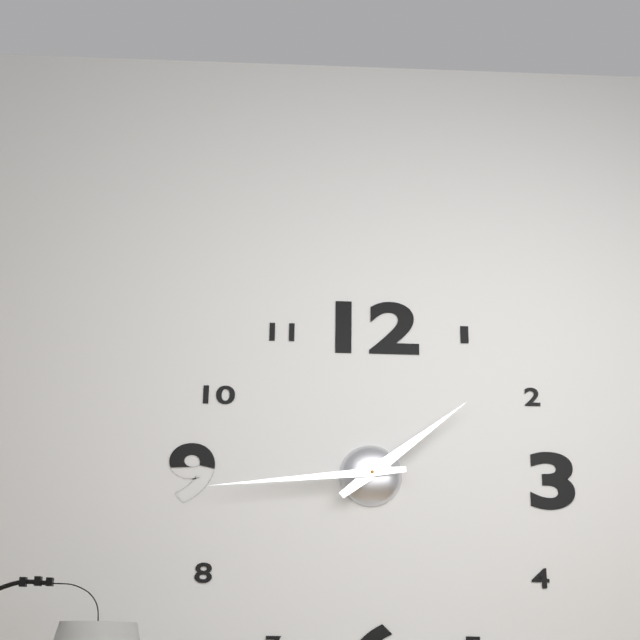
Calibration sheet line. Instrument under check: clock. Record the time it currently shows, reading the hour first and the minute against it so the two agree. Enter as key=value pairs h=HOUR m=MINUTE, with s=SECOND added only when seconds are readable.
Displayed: h=1 m=44
